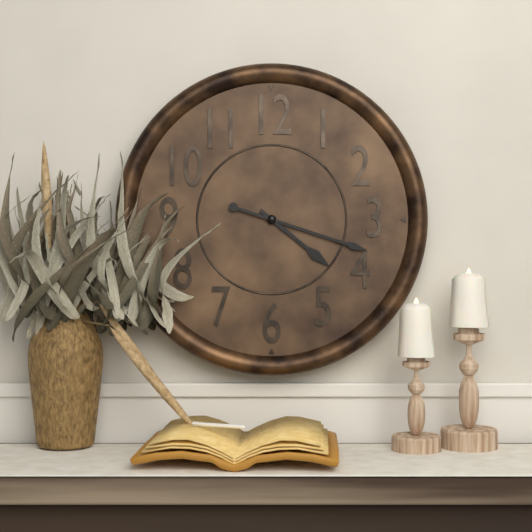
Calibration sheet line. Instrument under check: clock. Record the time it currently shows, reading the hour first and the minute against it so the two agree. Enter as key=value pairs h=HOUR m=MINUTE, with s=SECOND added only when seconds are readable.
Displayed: h=4 m=18
